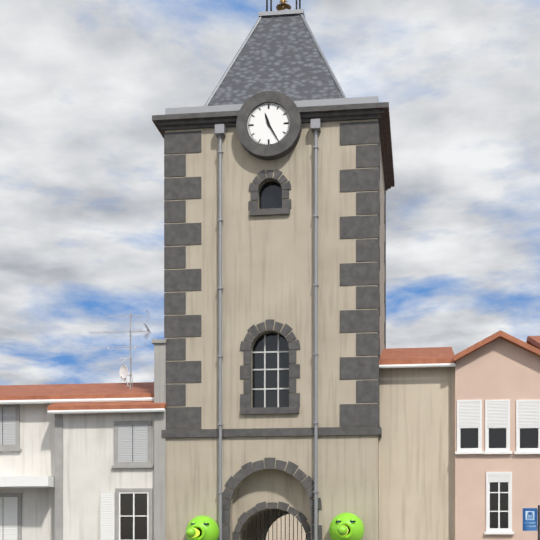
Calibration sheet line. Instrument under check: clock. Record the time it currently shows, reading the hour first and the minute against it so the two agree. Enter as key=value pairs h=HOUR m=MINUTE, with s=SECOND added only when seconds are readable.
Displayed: h=11 m=25
